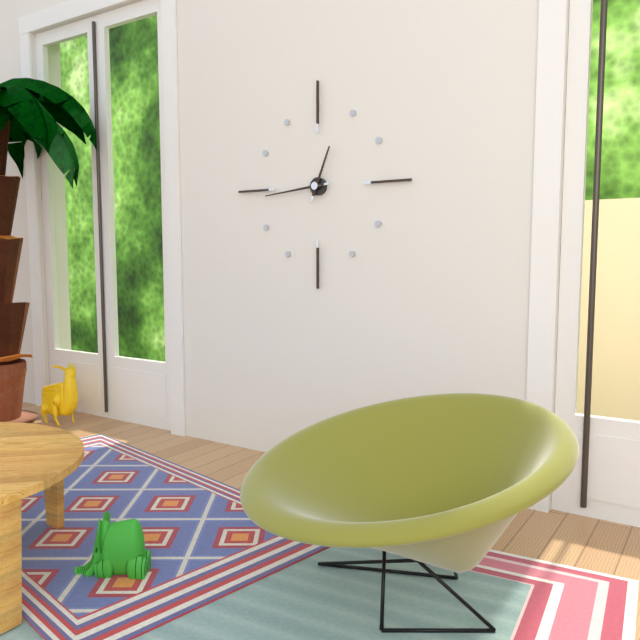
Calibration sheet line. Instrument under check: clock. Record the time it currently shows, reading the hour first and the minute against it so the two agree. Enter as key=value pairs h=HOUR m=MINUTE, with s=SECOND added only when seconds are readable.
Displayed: h=12 m=44
